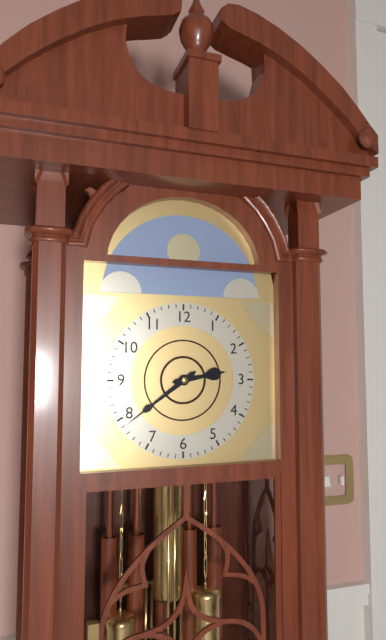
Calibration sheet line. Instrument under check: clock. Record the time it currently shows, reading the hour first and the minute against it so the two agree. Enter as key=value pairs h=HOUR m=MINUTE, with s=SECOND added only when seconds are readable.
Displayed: h=2 m=39
